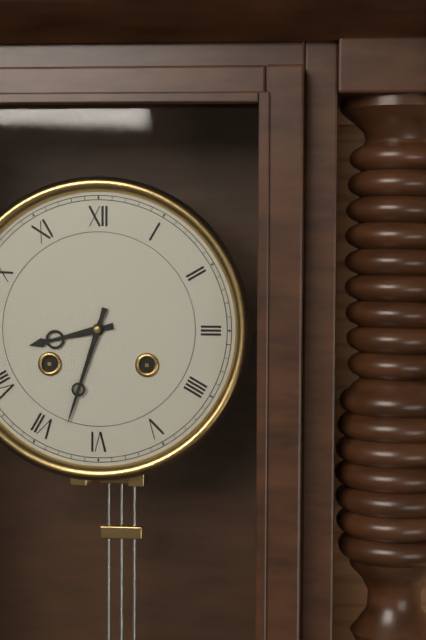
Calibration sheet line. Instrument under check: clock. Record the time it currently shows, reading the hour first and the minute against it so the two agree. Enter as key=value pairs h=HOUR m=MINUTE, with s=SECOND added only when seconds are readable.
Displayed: h=8 m=33
